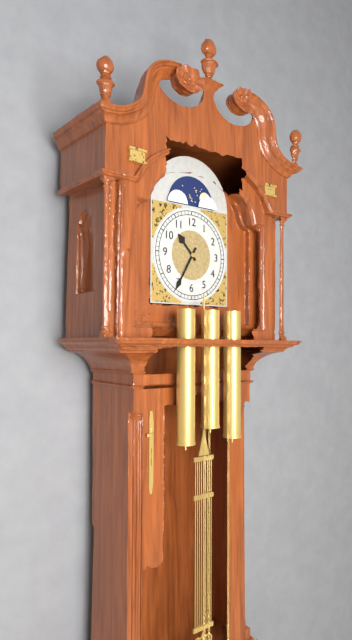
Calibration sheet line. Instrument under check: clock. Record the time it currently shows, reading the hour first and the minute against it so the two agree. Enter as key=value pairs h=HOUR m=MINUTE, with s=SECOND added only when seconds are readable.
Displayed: h=10 m=35
